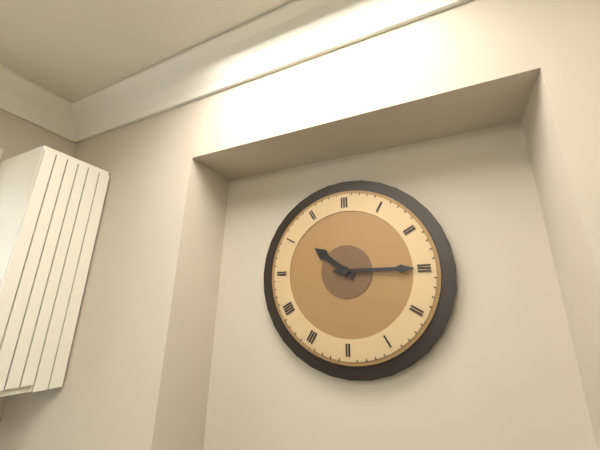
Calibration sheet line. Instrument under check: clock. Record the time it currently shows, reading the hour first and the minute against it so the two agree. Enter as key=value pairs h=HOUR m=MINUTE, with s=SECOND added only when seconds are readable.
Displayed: h=10 m=15
